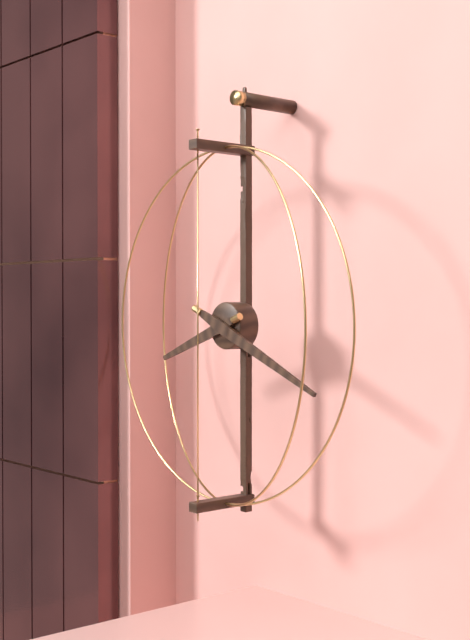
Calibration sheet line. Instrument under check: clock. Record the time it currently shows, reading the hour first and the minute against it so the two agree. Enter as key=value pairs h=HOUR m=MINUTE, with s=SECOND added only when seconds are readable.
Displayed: h=8 m=19
